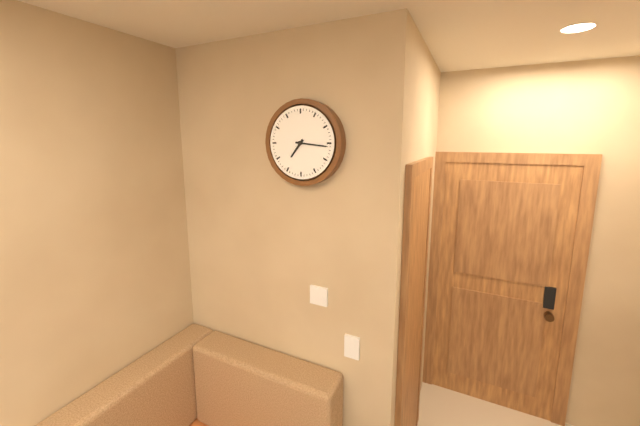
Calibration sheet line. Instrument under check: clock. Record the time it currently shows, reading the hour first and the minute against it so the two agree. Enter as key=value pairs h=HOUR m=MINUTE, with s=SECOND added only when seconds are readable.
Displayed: h=7 m=16
